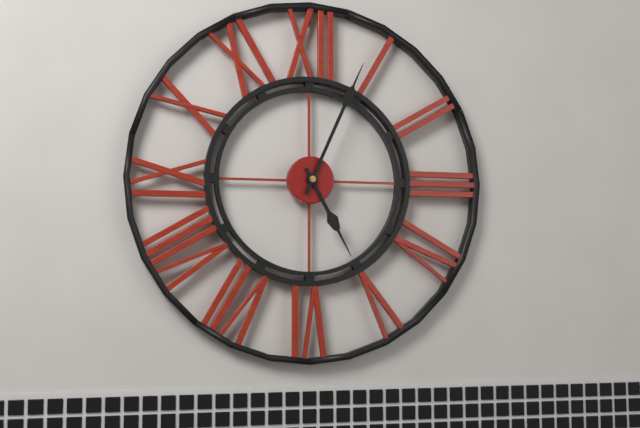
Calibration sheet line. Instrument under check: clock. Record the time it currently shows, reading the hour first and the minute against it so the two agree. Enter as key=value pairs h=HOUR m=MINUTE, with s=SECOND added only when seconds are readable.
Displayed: h=5 m=4
